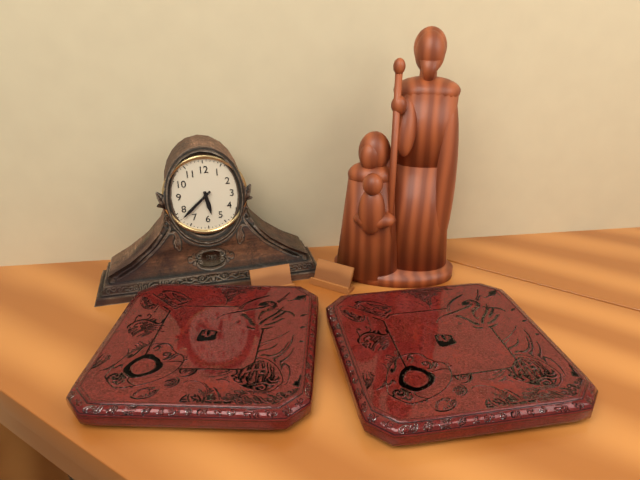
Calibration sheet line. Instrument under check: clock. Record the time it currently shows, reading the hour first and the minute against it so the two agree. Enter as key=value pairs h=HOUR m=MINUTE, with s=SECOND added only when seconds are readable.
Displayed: h=5 m=38
